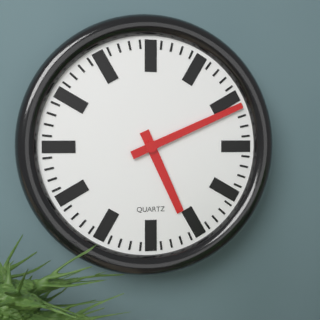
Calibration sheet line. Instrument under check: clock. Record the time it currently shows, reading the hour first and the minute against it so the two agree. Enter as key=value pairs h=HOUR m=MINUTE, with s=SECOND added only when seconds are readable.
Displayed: h=5 m=11
